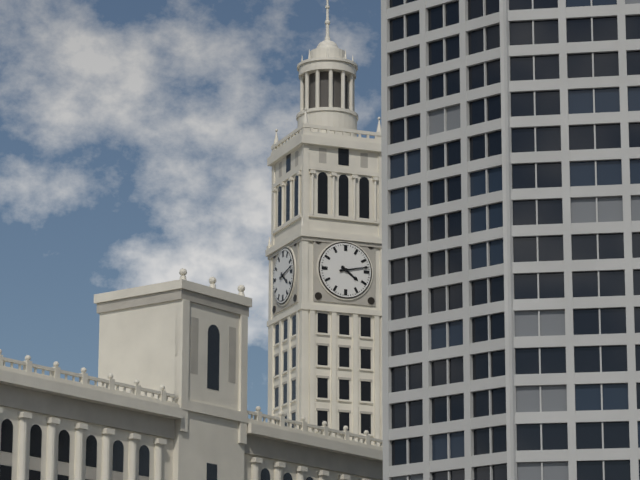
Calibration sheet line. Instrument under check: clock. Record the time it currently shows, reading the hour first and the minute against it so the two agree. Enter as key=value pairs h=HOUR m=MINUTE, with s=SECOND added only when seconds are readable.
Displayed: h=4 m=13
